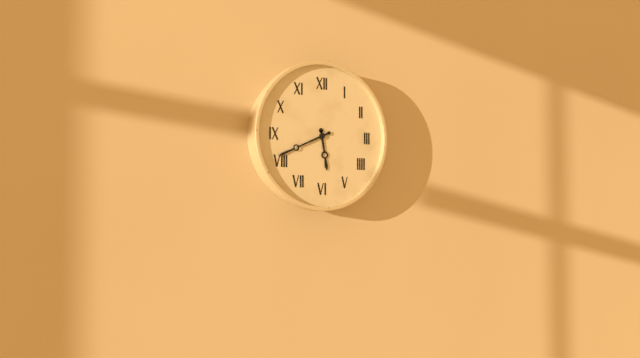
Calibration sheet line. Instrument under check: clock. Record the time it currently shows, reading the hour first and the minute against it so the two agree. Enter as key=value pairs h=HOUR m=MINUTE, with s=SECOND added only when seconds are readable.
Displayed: h=5 m=41
